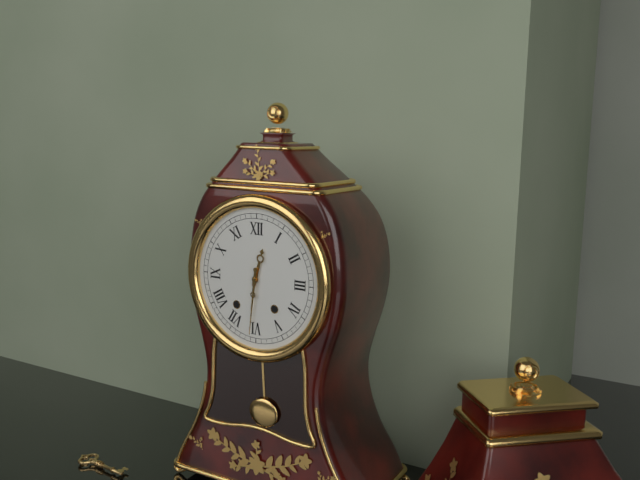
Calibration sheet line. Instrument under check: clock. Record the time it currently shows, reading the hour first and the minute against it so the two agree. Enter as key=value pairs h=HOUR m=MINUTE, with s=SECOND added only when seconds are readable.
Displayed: h=12 m=31
